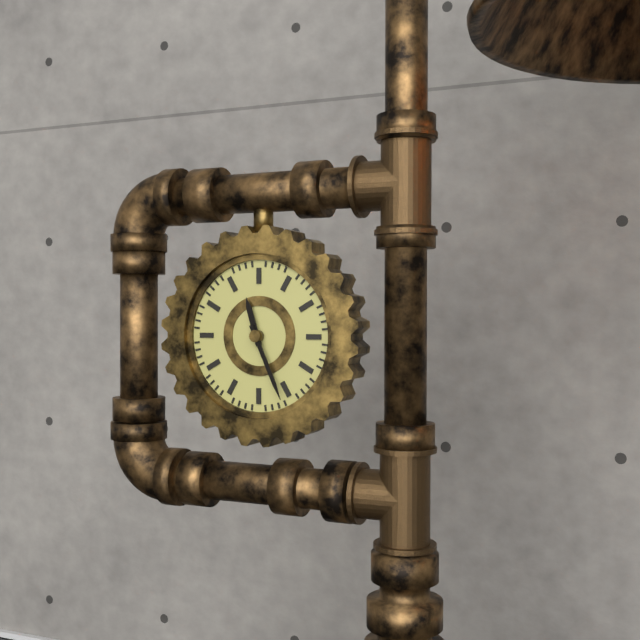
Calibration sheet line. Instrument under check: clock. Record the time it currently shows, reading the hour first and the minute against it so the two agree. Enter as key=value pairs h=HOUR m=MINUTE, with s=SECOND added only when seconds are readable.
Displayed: h=11 m=26
